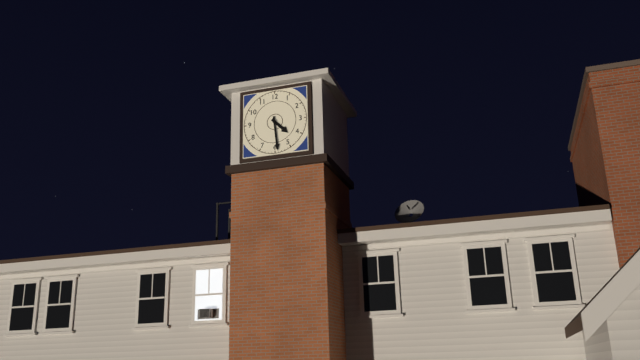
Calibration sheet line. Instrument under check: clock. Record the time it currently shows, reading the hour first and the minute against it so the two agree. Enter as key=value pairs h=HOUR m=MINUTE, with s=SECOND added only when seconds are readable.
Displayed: h=4 m=29
